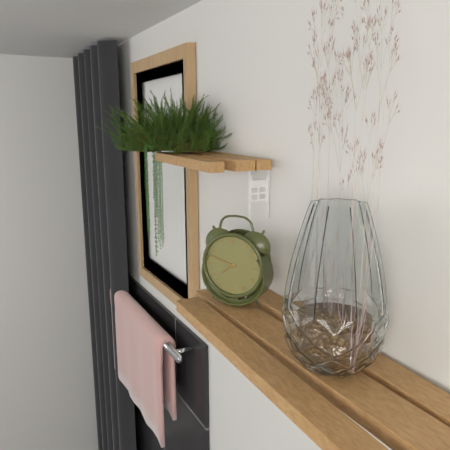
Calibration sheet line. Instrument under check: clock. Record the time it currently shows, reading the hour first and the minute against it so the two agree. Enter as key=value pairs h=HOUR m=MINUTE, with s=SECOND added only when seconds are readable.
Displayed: h=7 m=48
